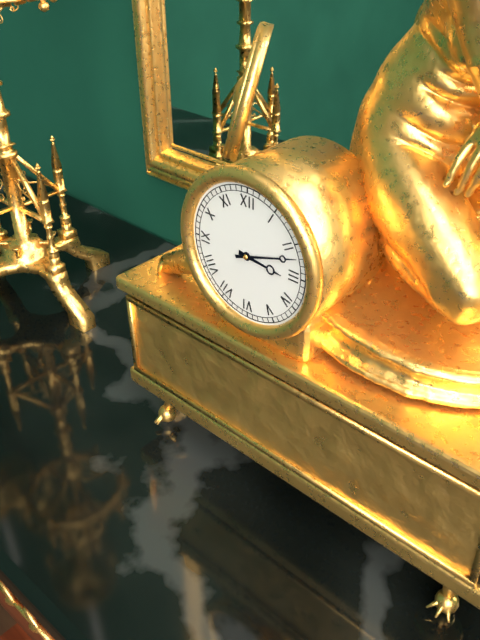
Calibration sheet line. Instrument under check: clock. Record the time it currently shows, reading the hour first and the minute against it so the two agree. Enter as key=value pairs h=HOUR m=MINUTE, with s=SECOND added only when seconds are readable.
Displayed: h=3 m=12
